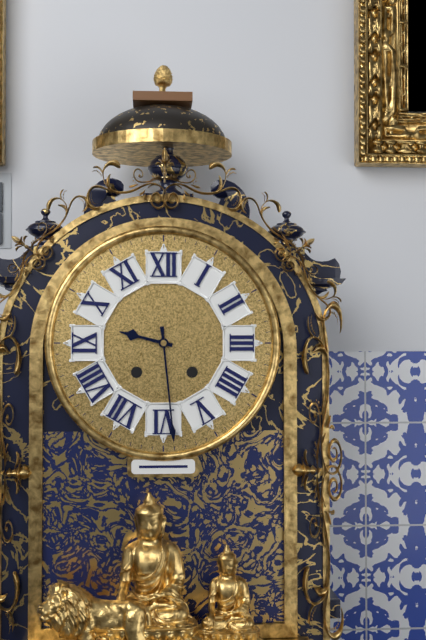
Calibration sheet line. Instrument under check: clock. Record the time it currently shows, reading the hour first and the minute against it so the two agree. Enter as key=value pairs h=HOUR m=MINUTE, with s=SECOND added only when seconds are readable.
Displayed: h=9 m=29
